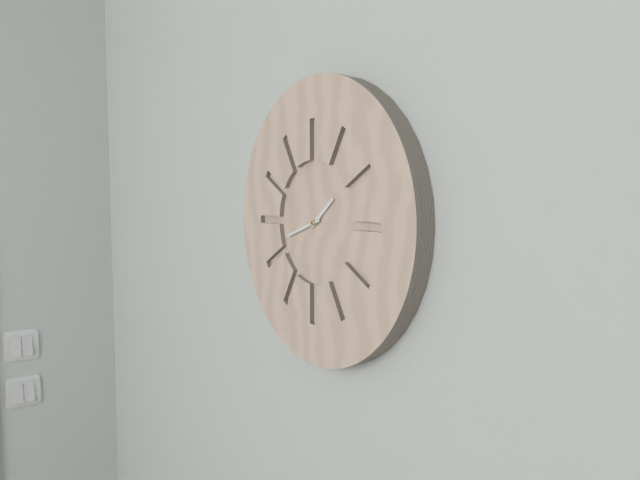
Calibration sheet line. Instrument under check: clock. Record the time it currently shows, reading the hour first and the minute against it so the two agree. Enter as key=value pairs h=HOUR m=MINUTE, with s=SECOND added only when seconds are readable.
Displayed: h=1 m=42
